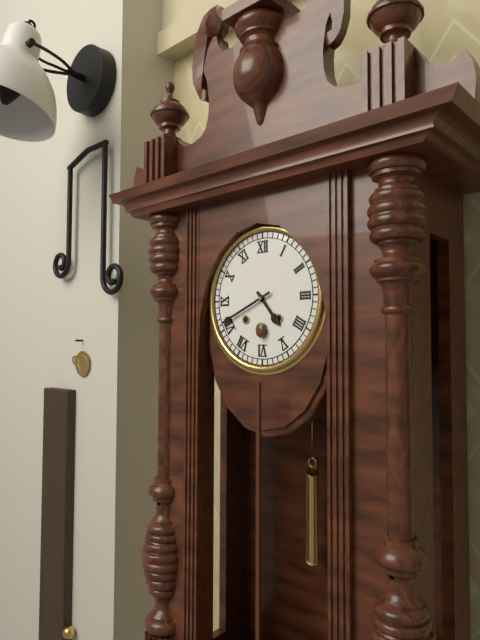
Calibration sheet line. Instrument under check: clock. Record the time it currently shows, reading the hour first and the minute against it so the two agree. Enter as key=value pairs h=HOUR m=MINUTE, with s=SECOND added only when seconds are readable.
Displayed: h=4 m=41
